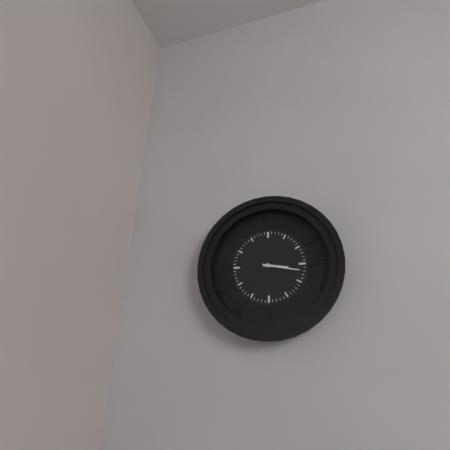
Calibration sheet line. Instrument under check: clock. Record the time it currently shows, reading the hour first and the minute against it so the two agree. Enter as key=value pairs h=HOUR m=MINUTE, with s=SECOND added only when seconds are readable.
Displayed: h=3 m=17
